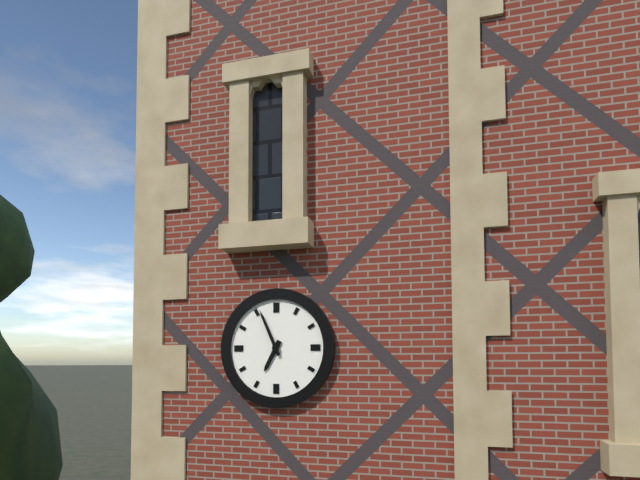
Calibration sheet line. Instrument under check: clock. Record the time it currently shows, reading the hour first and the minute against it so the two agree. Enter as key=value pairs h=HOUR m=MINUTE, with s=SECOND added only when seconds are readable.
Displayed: h=6 m=56
